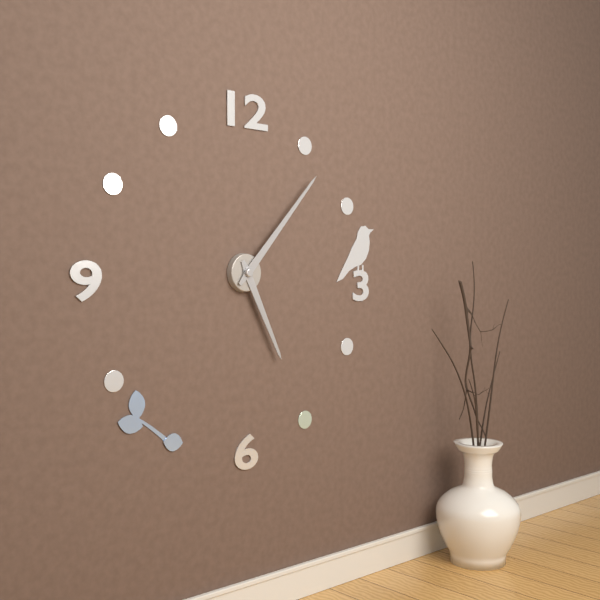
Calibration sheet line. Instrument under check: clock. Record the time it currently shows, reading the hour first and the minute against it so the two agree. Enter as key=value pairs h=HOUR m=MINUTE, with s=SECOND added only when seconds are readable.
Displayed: h=5 m=7
